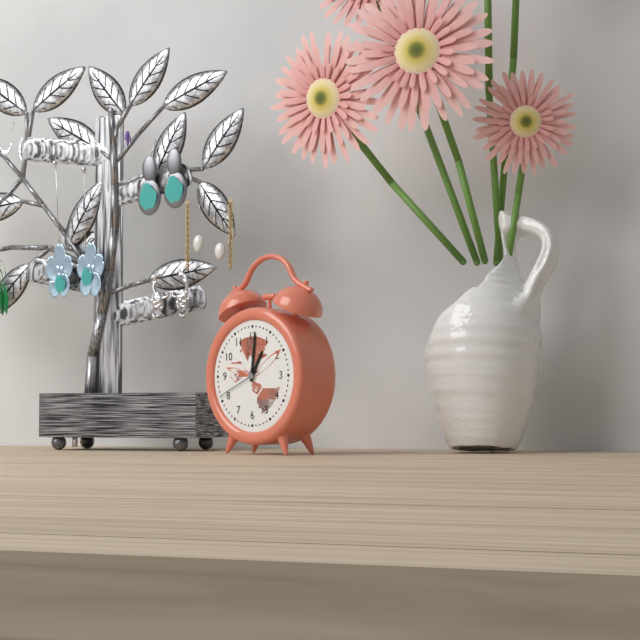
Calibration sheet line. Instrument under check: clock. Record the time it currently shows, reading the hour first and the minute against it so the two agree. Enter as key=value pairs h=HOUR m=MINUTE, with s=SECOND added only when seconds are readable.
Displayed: h=1 m=1
